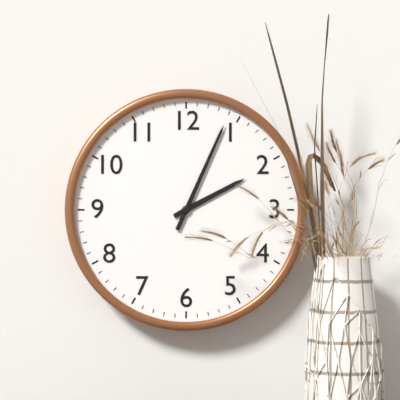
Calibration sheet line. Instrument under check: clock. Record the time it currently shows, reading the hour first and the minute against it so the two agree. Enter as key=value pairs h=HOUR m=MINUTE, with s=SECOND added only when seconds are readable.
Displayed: h=2 m=4
